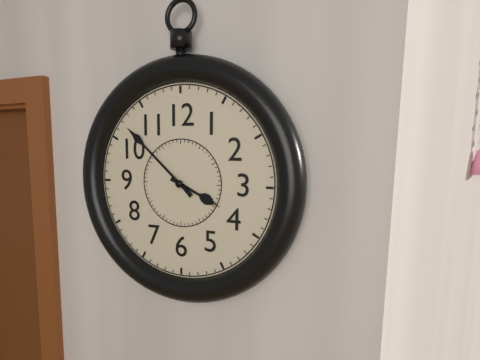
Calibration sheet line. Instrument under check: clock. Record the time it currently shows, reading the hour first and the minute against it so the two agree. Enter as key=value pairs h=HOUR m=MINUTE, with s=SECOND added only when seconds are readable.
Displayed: h=3 m=52
